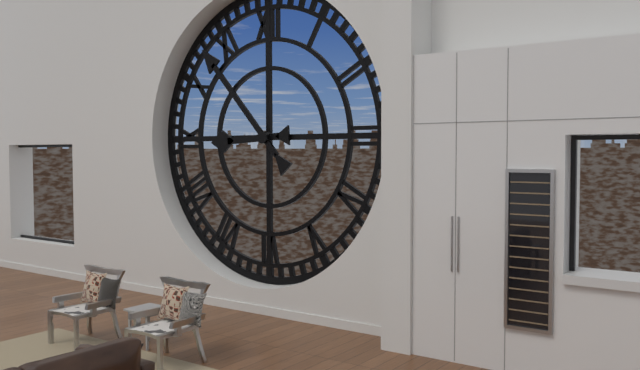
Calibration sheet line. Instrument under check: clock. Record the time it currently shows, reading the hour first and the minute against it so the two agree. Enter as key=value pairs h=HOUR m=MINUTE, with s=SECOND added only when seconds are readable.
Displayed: h=8 m=53
